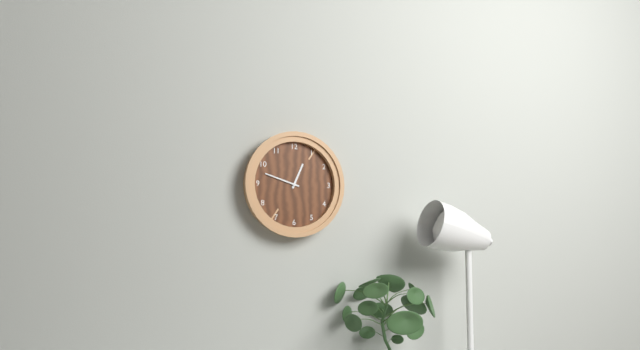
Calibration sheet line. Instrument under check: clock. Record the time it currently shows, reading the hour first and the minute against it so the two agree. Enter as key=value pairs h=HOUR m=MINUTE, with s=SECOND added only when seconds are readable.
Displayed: h=12 m=48
